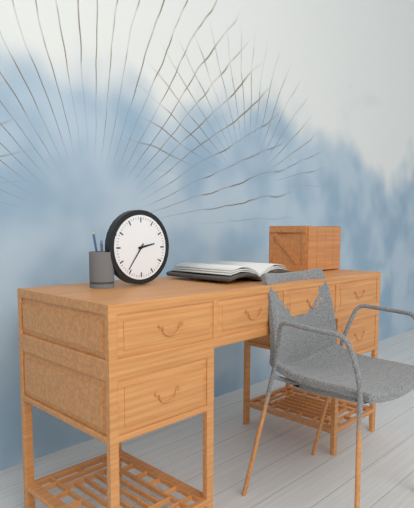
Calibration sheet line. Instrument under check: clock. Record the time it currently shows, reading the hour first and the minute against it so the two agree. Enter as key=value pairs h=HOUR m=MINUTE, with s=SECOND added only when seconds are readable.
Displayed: h=2 m=36
